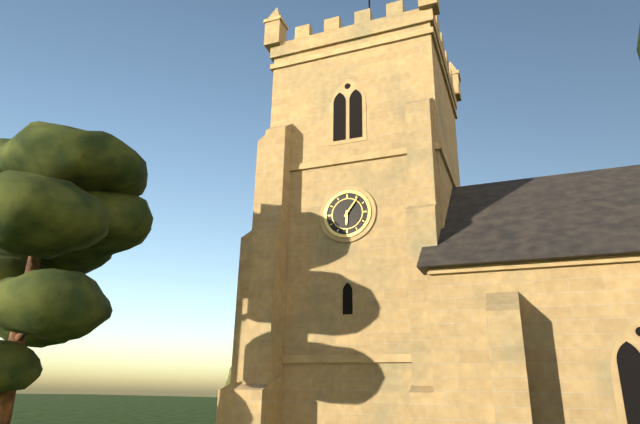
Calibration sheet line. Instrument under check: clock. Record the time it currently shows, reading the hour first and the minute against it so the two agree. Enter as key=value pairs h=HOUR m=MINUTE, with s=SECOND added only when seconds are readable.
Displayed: h=6 m=6
